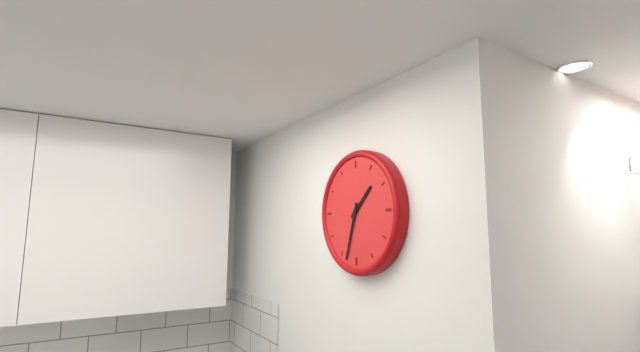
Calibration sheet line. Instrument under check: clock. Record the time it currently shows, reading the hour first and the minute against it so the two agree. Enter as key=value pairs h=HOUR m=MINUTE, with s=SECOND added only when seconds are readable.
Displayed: h=1 m=33
